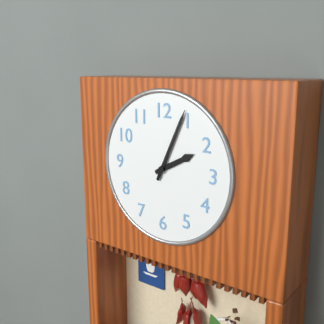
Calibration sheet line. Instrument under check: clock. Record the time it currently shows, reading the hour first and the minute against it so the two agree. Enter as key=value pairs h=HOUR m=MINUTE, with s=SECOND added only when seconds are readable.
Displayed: h=2 m=4
